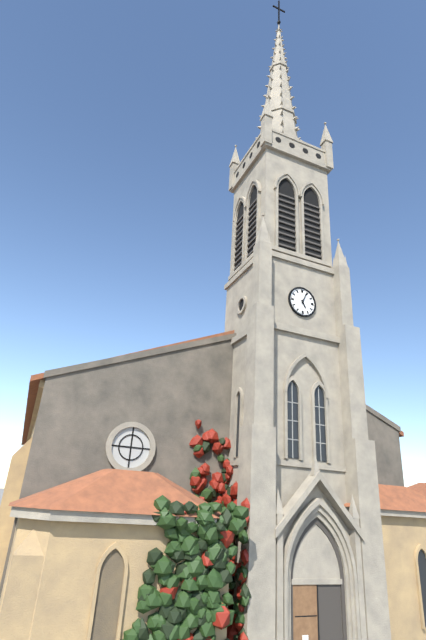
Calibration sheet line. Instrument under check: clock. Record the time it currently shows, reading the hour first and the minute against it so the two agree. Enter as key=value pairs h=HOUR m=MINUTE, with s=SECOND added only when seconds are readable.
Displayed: h=5 m=4
